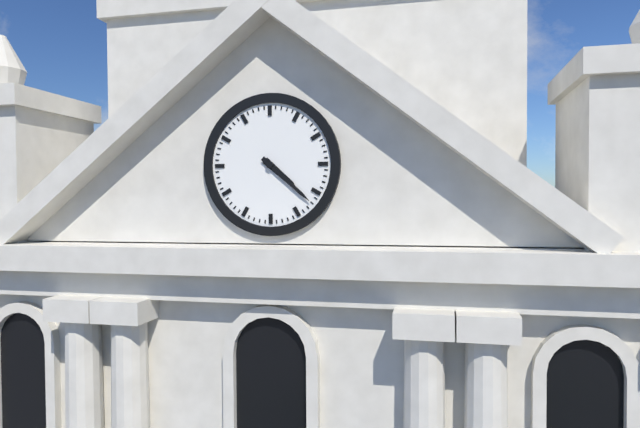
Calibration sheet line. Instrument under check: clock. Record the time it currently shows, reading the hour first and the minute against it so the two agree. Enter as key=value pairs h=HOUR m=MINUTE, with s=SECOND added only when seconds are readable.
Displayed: h=4 m=22
